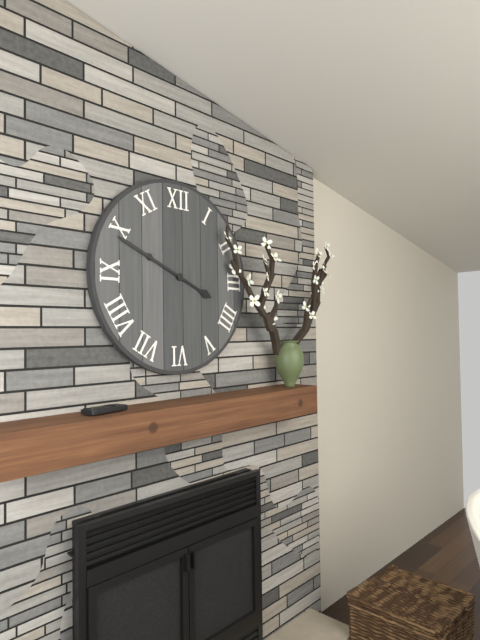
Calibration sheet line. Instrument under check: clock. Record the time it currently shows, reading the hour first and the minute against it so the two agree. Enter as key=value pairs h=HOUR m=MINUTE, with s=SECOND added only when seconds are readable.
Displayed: h=9 m=49
